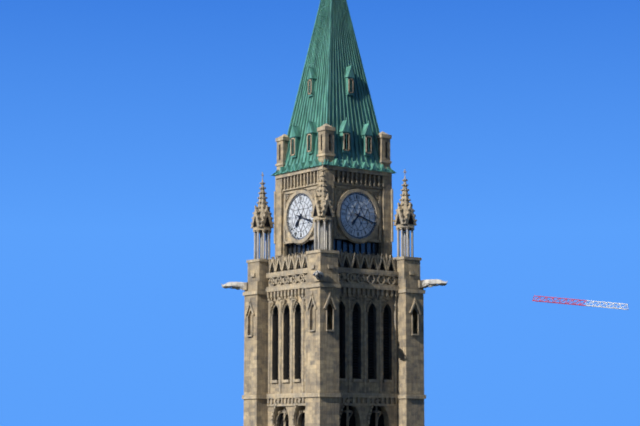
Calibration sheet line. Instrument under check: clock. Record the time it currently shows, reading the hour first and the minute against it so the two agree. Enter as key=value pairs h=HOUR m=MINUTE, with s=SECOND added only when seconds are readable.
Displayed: h=7 m=18
